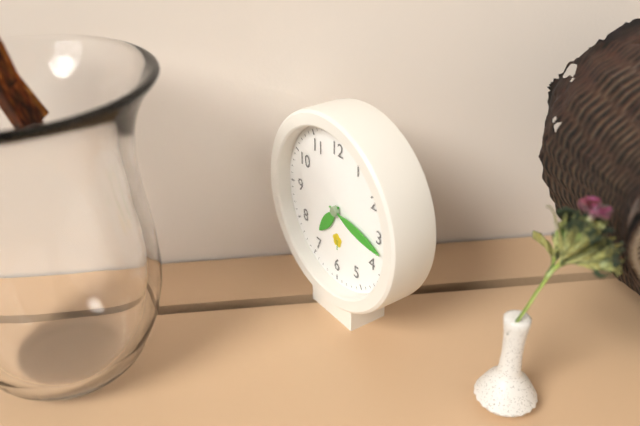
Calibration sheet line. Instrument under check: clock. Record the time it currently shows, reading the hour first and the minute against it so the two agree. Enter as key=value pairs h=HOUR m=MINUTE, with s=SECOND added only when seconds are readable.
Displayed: h=7 m=17
